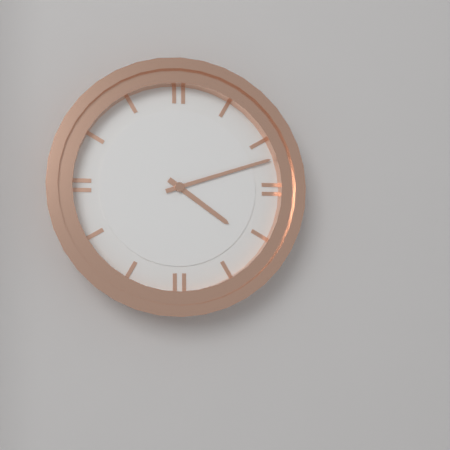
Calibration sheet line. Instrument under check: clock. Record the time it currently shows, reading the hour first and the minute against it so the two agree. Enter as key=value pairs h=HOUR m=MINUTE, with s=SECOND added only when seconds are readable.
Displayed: h=4 m=12
